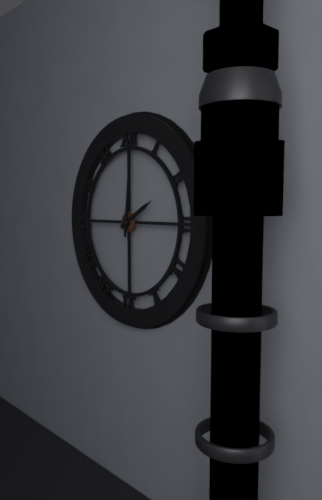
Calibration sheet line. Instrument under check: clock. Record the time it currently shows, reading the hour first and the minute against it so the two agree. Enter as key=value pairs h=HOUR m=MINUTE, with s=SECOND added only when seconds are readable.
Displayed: h=2 m=1
